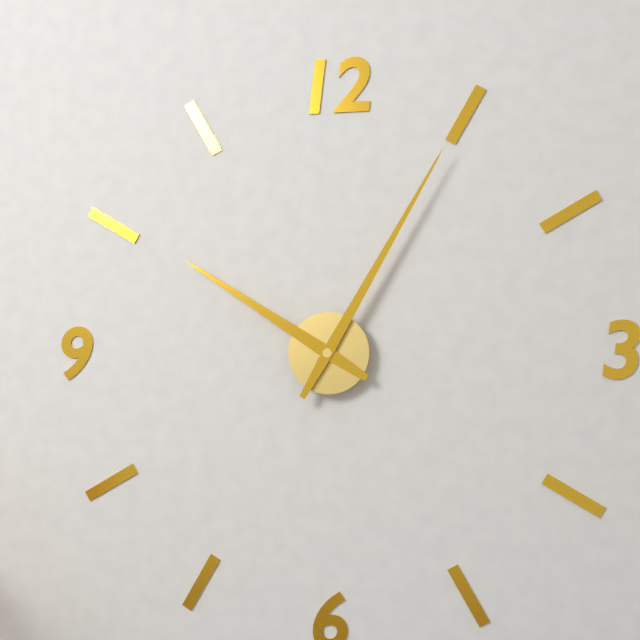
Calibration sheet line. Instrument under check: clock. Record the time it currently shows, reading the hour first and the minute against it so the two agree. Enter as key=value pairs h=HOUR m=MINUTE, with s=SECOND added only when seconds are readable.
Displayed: h=10 m=5
